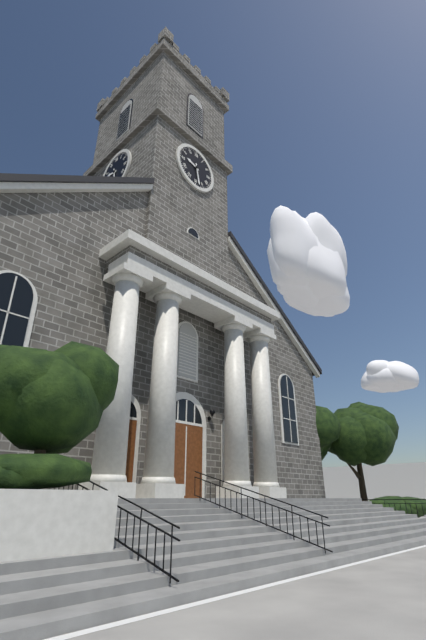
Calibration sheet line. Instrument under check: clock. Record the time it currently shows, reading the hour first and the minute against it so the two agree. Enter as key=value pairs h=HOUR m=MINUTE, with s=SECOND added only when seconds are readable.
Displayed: h=9 m=28
